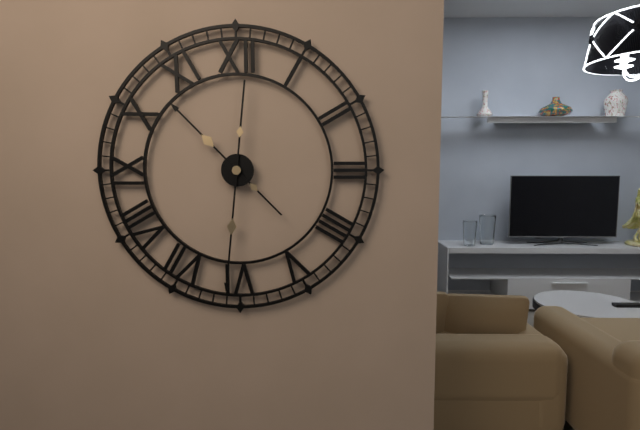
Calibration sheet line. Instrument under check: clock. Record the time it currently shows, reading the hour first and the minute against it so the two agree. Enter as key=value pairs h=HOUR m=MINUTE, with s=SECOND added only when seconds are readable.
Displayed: h=10 m=31
